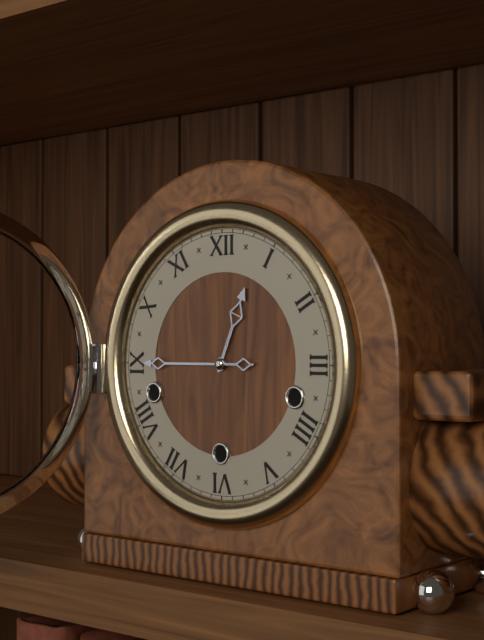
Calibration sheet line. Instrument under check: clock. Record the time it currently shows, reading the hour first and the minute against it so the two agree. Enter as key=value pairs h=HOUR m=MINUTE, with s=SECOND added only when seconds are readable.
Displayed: h=12 m=45
